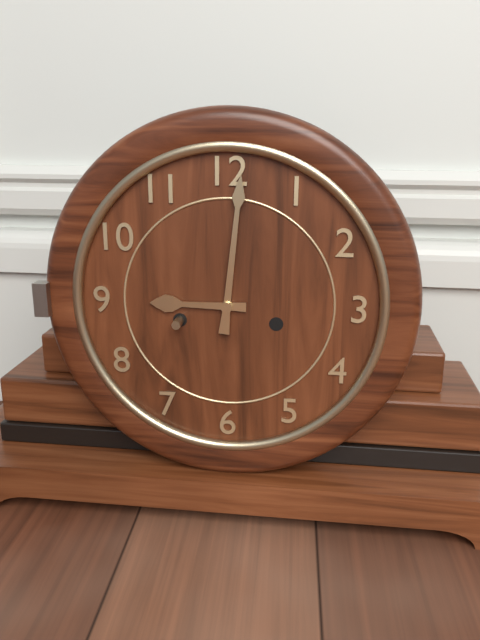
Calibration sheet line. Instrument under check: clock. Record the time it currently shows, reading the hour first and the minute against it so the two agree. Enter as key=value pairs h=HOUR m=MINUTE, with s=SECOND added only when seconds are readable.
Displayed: h=9 m=1
